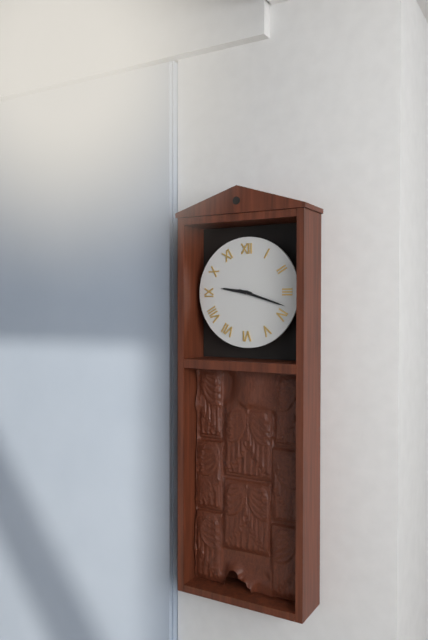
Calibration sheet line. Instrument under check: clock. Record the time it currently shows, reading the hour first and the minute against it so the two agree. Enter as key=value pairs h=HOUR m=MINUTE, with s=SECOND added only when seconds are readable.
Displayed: h=9 m=18
